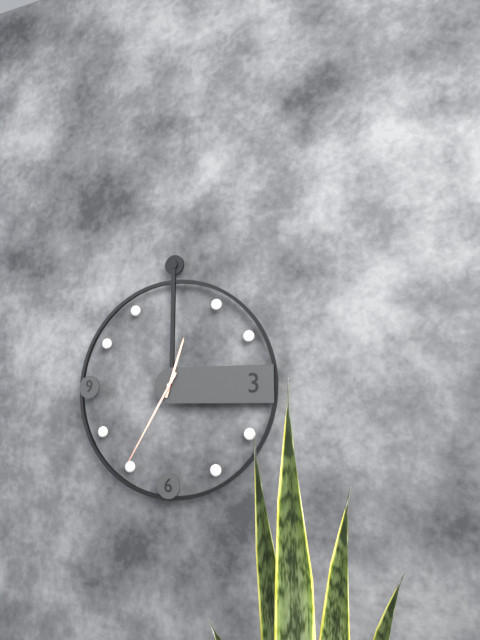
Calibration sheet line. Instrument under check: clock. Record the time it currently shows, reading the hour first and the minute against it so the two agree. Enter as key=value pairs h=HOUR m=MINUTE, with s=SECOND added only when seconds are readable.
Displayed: h=12 m=35
